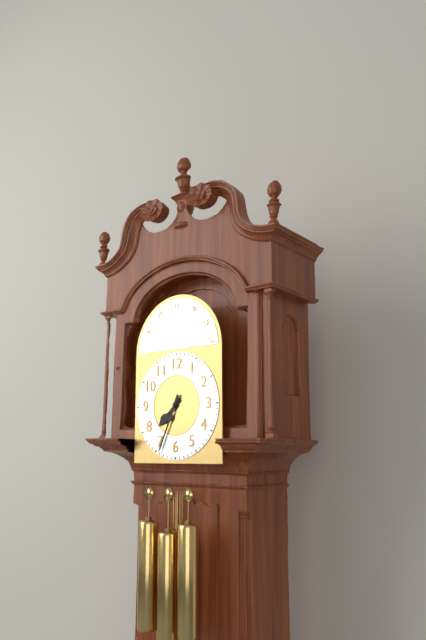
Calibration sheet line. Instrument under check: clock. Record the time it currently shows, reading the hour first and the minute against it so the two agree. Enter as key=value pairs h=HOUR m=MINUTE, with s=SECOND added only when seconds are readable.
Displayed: h=7 m=34
